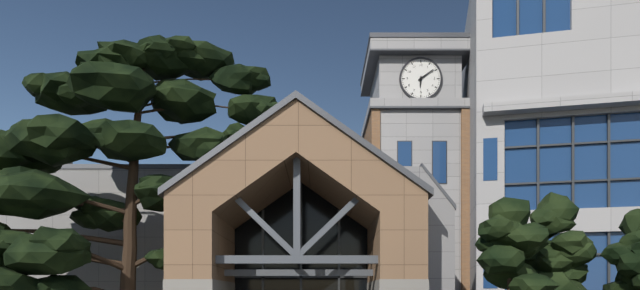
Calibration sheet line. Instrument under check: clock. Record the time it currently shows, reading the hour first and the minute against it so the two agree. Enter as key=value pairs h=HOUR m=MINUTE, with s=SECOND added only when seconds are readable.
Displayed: h=6 m=9
